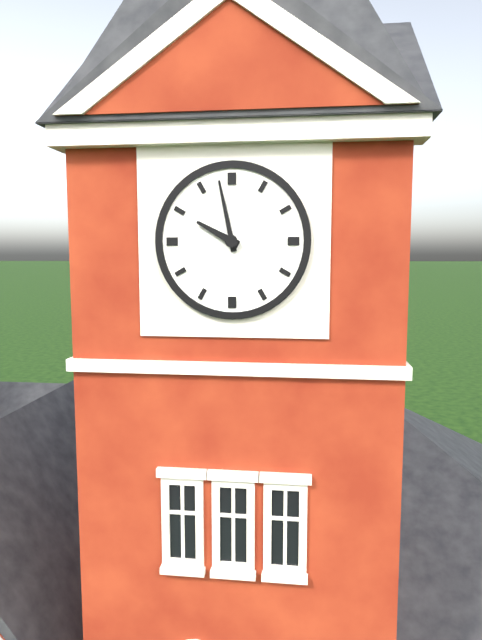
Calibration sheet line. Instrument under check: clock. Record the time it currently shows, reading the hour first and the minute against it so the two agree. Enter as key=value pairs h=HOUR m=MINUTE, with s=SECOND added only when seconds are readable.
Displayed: h=9 m=58
